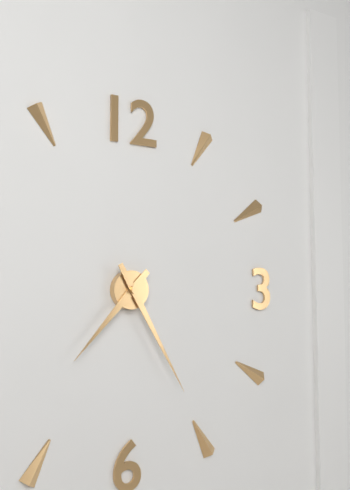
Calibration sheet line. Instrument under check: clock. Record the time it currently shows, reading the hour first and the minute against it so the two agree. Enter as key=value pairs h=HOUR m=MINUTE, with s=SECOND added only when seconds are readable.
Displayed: h=7 m=25
